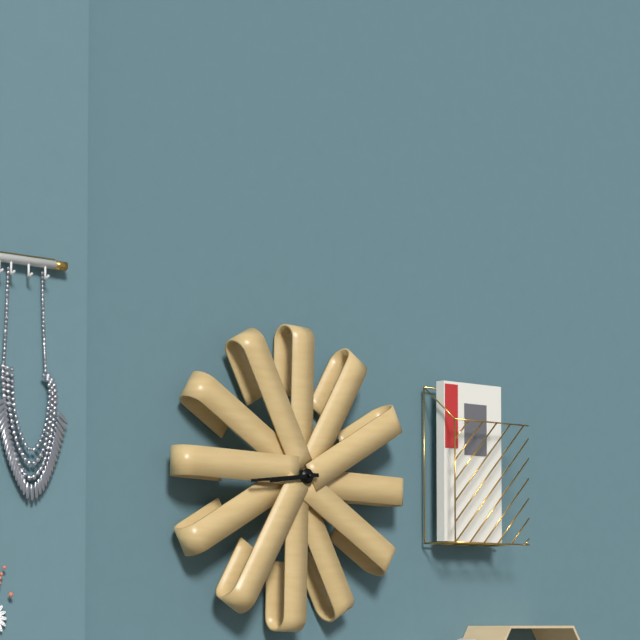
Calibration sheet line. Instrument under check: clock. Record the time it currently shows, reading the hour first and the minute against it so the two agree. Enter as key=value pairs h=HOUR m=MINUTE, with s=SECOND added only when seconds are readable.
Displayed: h=8 m=44
